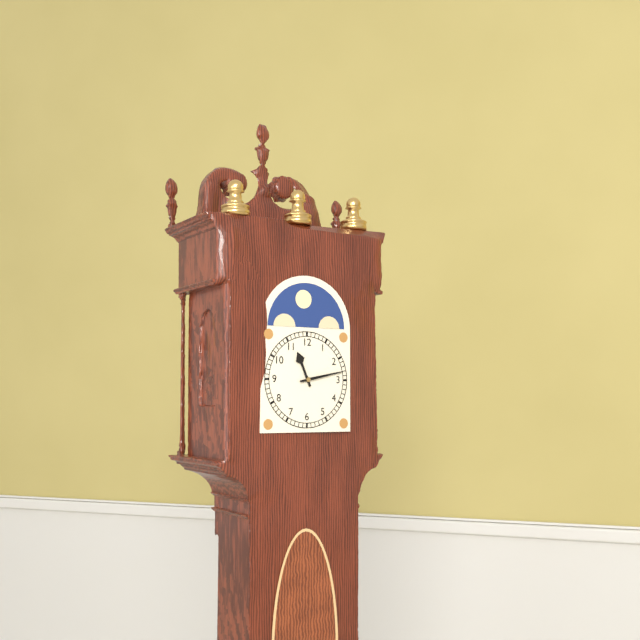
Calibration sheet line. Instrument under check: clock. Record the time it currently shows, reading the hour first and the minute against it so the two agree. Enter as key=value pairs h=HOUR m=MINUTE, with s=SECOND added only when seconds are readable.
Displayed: h=11 m=13
